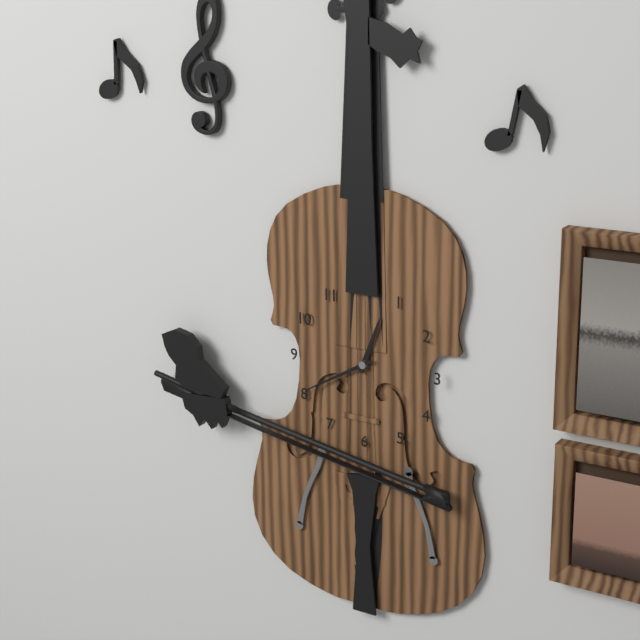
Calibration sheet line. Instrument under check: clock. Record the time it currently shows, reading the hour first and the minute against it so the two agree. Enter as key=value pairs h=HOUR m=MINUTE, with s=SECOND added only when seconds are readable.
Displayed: h=12 m=40
